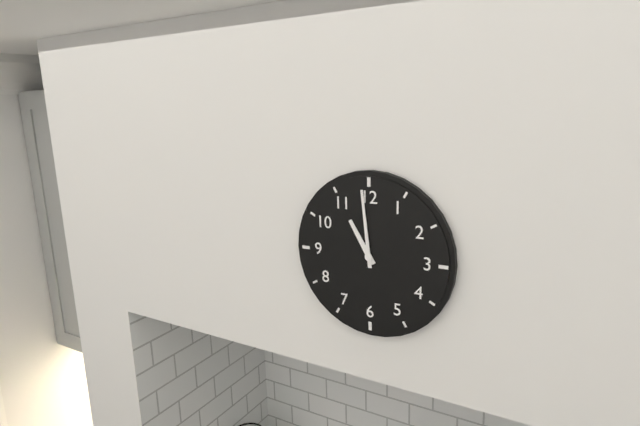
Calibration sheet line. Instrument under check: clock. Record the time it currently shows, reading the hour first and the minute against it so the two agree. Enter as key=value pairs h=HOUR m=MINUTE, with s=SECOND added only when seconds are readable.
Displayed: h=10 m=59
